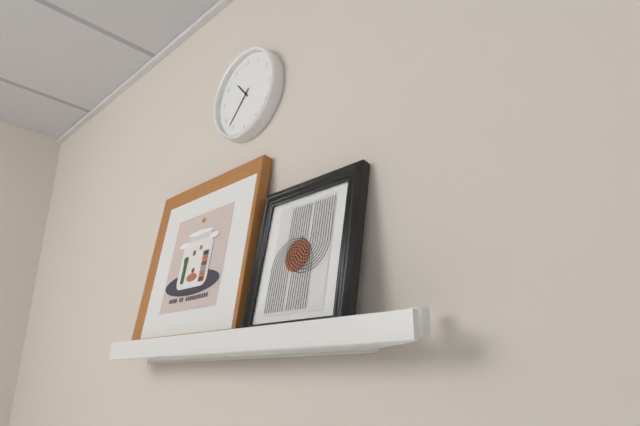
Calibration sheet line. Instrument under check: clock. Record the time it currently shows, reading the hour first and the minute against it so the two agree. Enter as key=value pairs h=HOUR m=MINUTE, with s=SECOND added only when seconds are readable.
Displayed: h=10 m=37
